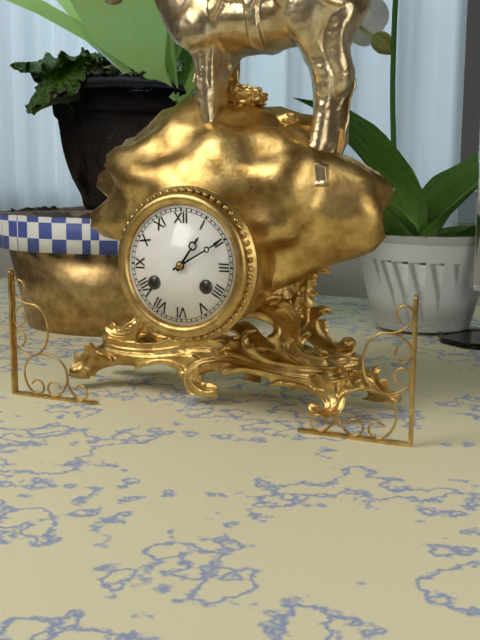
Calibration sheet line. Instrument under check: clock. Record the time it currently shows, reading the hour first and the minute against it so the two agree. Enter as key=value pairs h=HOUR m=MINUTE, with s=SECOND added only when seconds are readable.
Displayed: h=1 m=10
